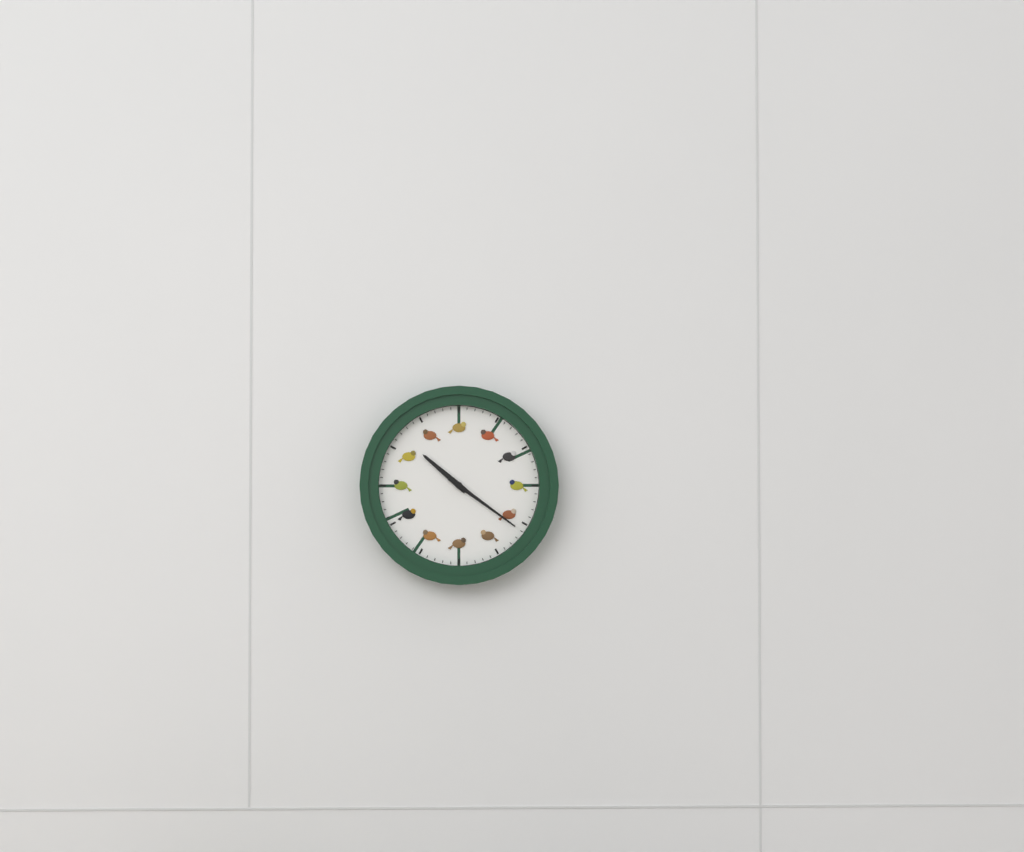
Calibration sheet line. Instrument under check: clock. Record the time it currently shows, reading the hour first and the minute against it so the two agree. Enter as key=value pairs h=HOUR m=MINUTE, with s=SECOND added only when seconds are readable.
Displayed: h=10 m=21
